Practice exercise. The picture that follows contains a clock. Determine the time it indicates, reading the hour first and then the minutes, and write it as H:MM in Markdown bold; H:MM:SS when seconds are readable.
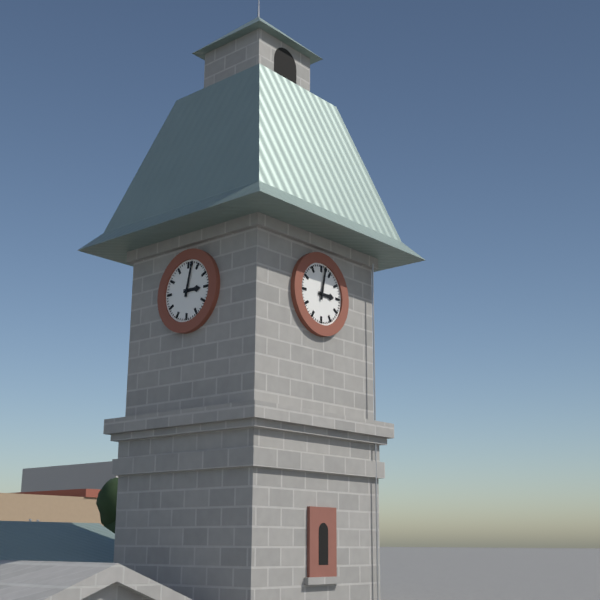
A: **3:02**
